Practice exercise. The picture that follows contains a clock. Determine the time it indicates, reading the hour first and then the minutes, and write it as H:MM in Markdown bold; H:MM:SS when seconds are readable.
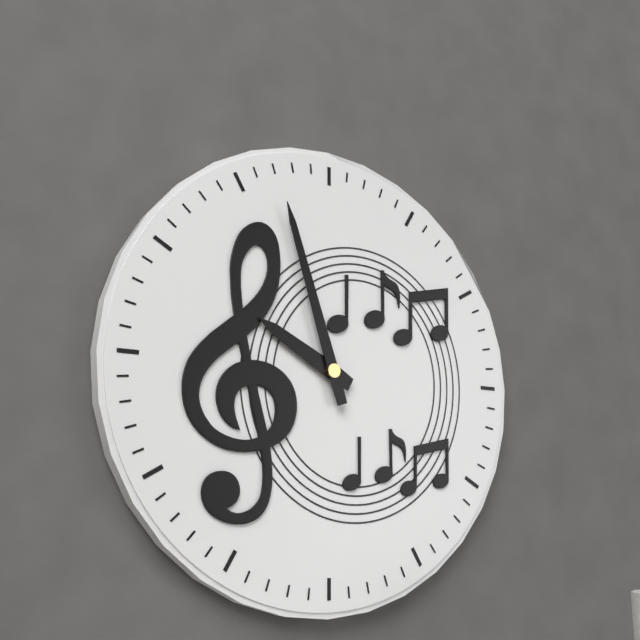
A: **9:57**
